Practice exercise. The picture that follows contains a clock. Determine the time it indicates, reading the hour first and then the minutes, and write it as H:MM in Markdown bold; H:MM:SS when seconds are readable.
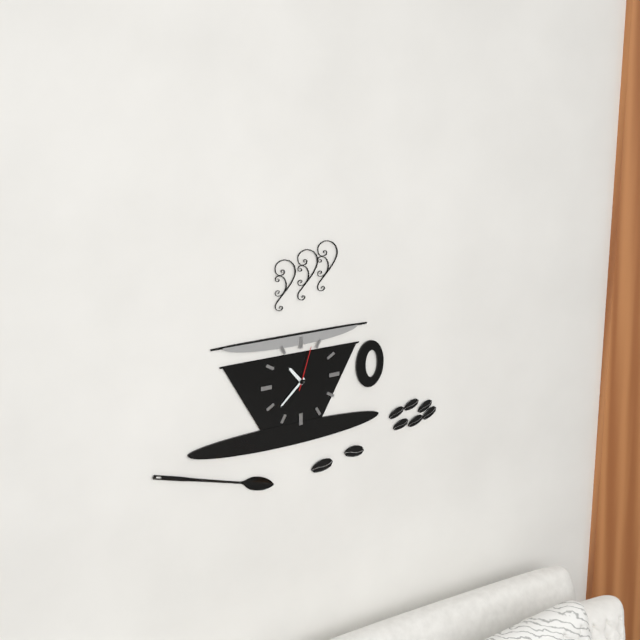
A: **10:38**
